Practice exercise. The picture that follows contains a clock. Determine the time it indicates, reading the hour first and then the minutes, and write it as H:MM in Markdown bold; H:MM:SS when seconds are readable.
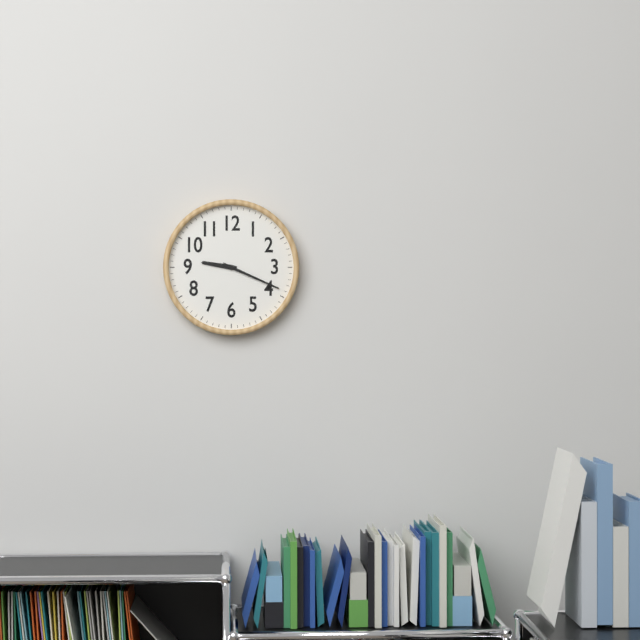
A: **9:19**
